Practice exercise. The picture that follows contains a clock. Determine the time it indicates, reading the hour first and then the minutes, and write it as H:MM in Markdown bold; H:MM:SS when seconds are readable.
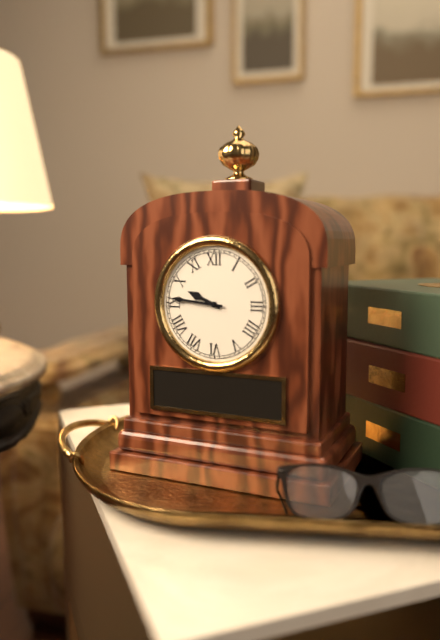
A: **9:46**
